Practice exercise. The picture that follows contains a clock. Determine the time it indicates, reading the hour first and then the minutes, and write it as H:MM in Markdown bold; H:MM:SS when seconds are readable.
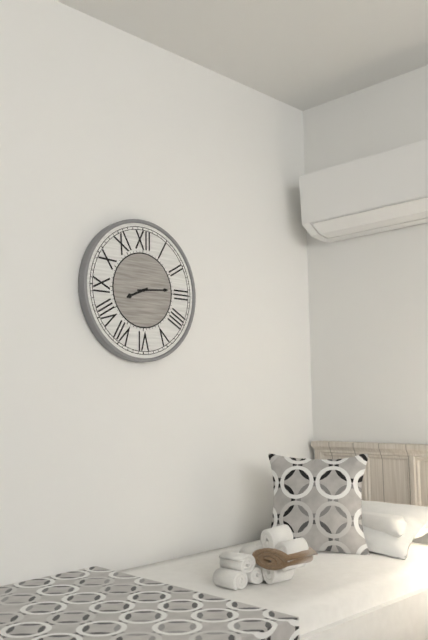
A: **8:14**
